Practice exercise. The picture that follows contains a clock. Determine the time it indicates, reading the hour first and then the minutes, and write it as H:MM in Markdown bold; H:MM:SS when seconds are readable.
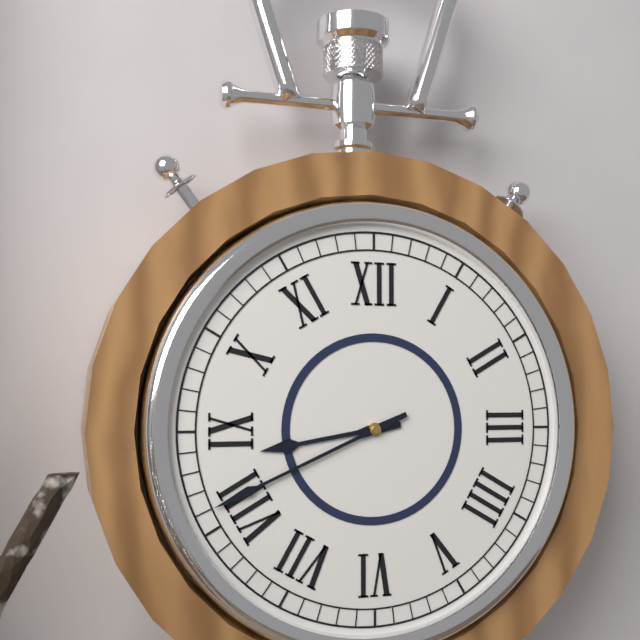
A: **8:41**
